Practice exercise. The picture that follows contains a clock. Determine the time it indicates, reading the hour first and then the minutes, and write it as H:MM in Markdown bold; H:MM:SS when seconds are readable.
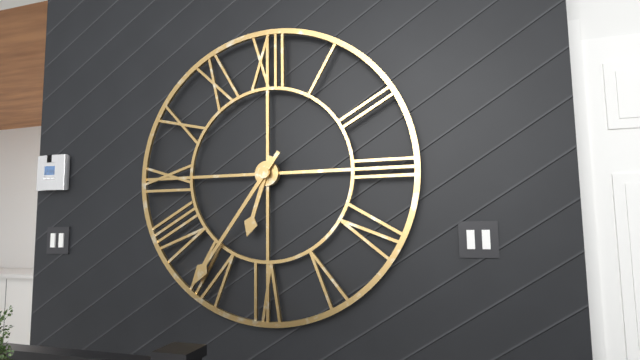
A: **6:36**
